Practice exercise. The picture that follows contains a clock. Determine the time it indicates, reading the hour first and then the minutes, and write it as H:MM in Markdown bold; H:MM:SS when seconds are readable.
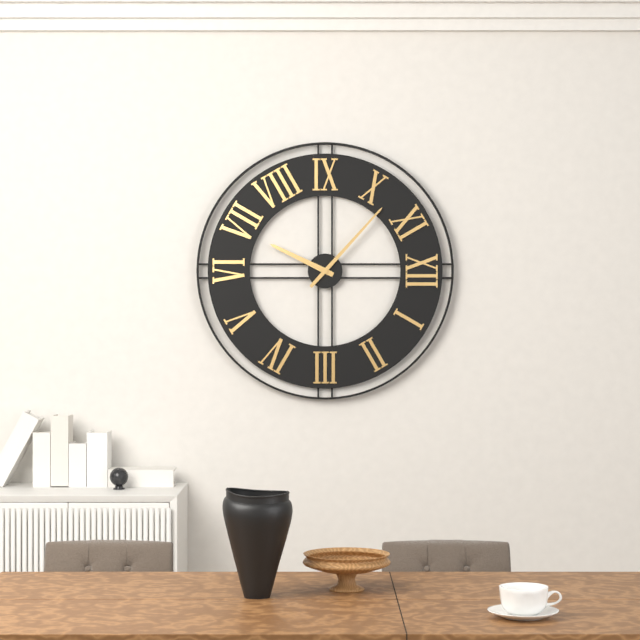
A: **6:52**
